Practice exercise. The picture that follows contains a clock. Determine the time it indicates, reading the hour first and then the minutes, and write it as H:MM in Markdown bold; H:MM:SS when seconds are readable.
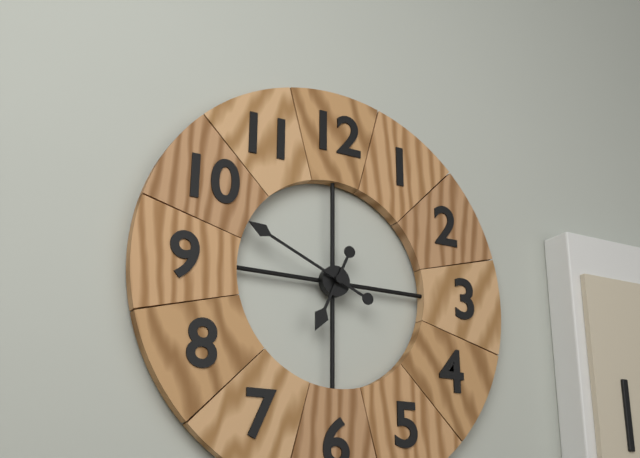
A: **6:49**
